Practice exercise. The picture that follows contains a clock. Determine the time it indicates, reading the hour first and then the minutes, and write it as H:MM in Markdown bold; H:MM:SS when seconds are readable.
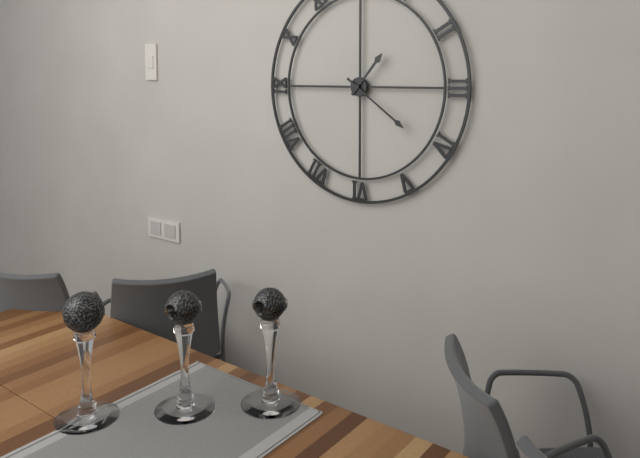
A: **1:21**
